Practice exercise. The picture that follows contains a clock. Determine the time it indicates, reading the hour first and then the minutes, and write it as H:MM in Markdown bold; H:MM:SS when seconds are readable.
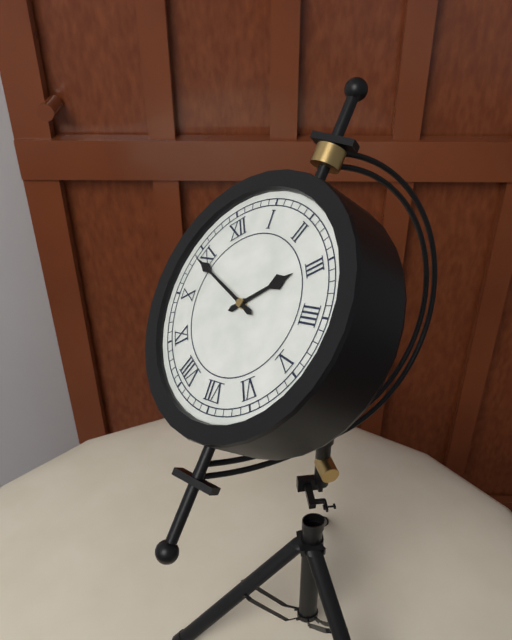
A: **2:54**
